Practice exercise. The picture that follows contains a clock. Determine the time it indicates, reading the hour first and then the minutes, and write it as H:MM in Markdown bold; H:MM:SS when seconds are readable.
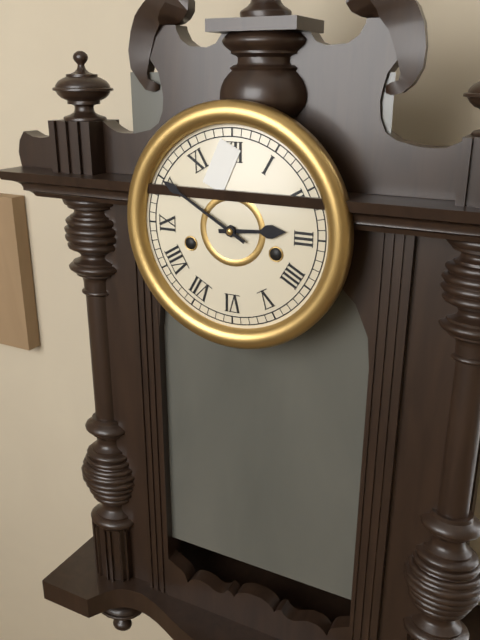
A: **2:50**
